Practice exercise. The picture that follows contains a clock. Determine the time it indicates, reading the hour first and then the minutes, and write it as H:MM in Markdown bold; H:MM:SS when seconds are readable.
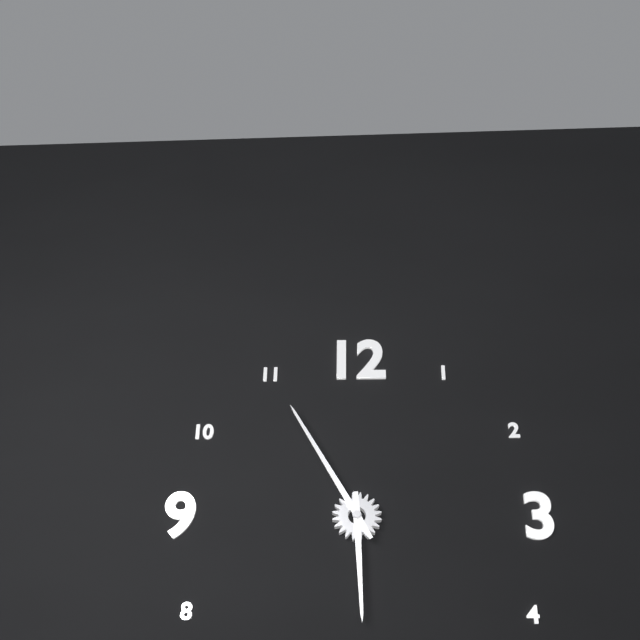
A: **5:55**
